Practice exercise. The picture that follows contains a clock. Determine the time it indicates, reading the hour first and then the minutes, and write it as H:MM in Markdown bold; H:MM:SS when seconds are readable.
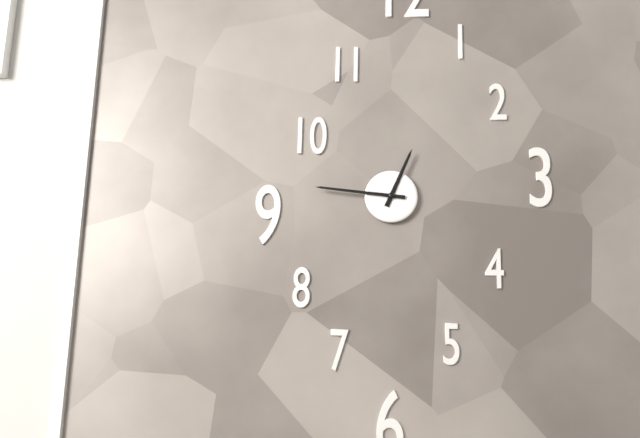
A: **12:46**
